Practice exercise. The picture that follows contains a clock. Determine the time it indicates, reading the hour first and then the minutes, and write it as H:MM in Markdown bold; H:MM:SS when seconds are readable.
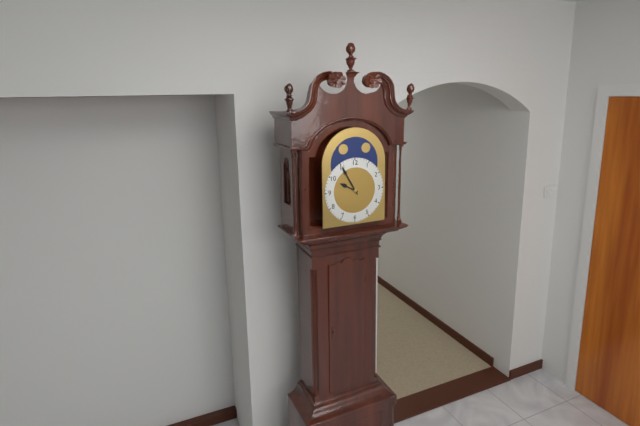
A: **9:55**
